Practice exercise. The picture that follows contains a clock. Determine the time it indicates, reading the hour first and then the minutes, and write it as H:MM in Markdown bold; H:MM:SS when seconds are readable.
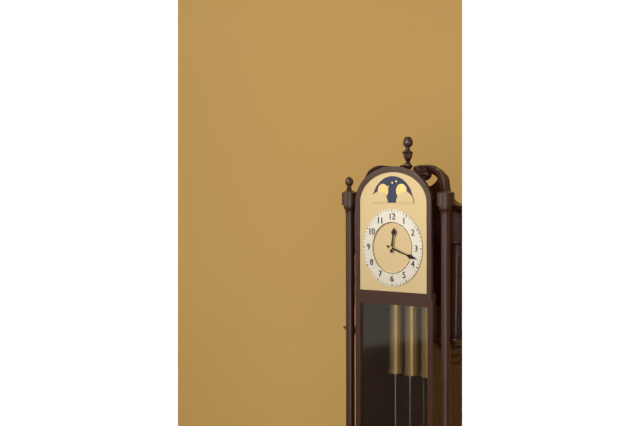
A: **12:18**
